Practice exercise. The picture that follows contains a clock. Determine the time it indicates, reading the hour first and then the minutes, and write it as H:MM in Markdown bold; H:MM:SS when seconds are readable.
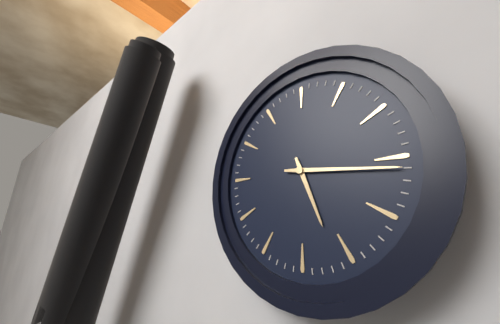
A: **5:16**
